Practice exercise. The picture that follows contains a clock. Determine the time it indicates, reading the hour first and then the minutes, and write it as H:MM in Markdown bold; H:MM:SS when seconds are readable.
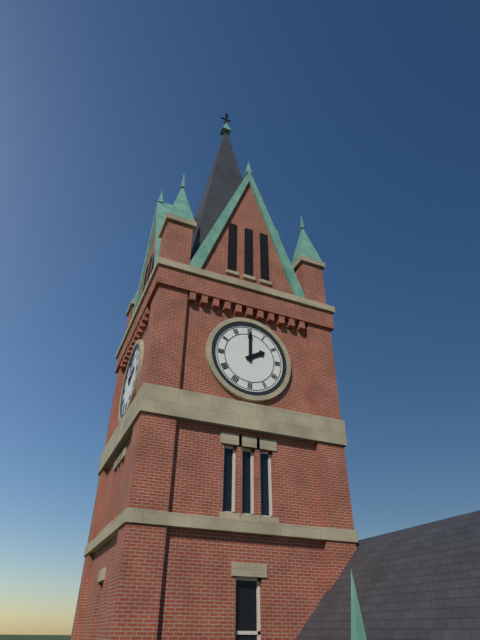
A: **2:00**
